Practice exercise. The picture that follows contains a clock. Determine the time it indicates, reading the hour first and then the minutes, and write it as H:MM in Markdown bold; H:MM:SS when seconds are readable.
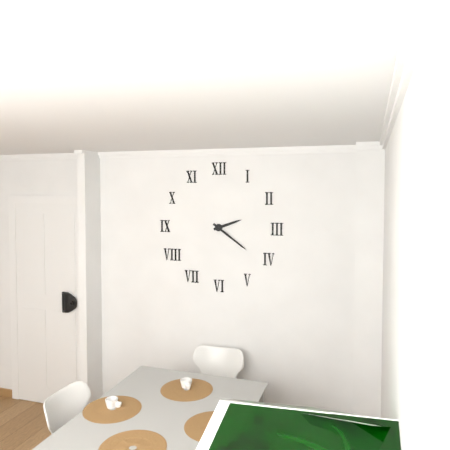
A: **2:21**
